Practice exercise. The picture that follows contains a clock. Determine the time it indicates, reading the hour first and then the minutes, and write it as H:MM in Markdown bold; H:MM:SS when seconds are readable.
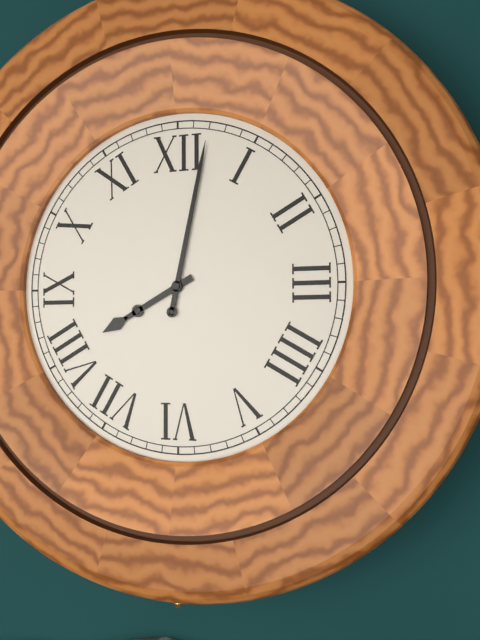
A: **8:02**
